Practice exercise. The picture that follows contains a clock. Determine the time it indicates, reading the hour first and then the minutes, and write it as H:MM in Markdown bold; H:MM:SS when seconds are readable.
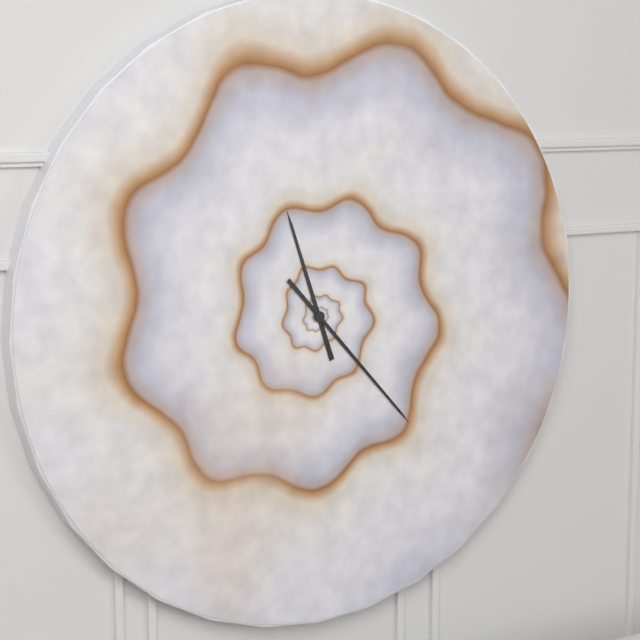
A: **11:23**
